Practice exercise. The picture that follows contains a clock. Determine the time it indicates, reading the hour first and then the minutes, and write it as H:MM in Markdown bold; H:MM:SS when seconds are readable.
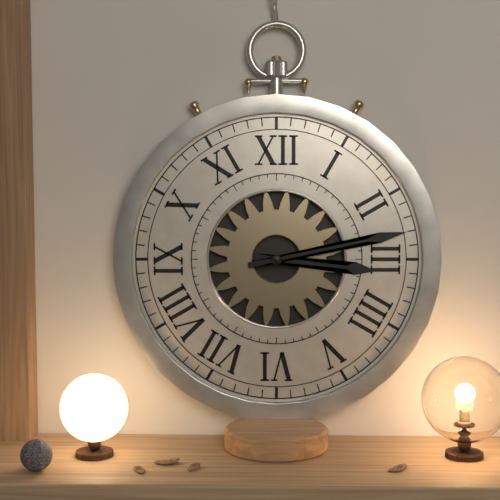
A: **3:13**
